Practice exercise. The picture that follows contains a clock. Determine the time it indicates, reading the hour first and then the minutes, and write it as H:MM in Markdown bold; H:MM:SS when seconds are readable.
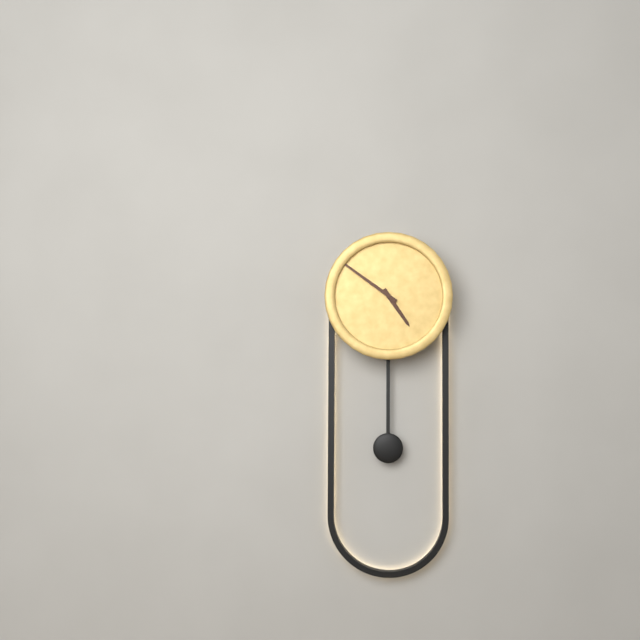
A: **4:51**
